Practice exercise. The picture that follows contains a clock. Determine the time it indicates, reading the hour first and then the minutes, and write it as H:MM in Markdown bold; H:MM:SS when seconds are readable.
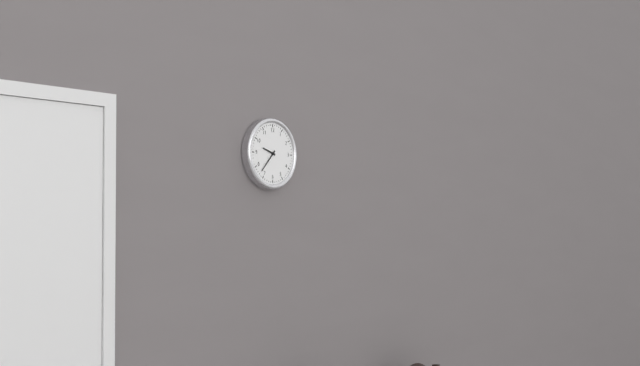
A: **9:37**
